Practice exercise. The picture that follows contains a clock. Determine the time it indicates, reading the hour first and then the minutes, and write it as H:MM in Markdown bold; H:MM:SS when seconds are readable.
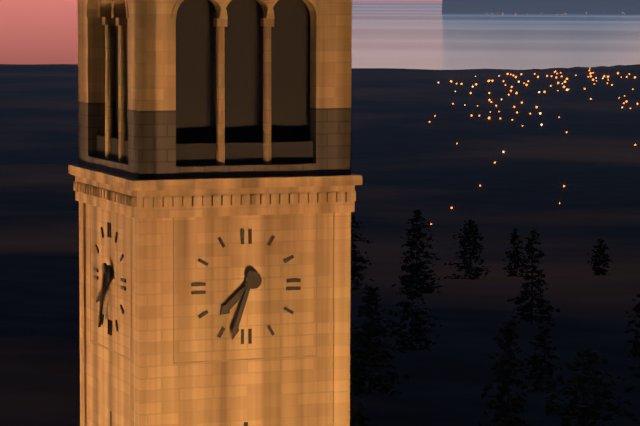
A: **7:33**
